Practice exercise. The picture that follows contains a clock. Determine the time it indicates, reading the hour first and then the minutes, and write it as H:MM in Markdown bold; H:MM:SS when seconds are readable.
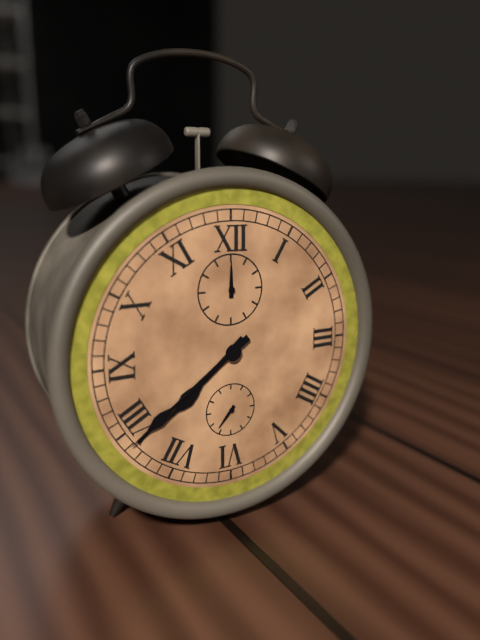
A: **7:39**
